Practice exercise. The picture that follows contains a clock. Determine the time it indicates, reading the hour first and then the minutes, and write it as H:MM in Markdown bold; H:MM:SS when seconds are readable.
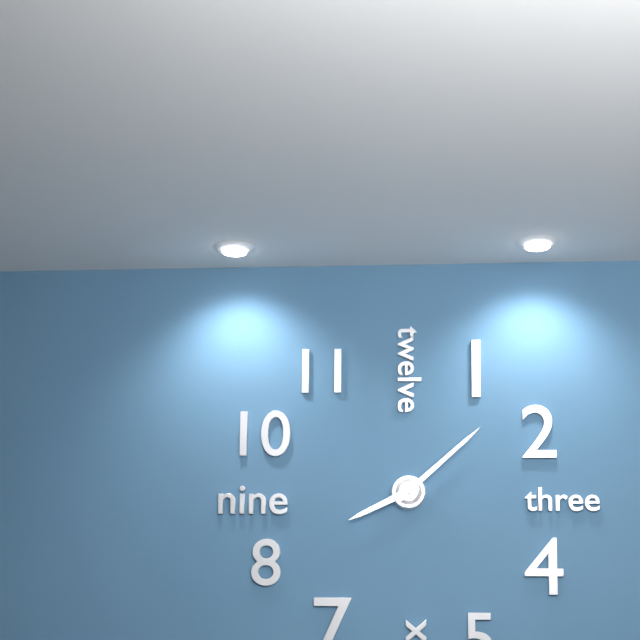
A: **8:08**
